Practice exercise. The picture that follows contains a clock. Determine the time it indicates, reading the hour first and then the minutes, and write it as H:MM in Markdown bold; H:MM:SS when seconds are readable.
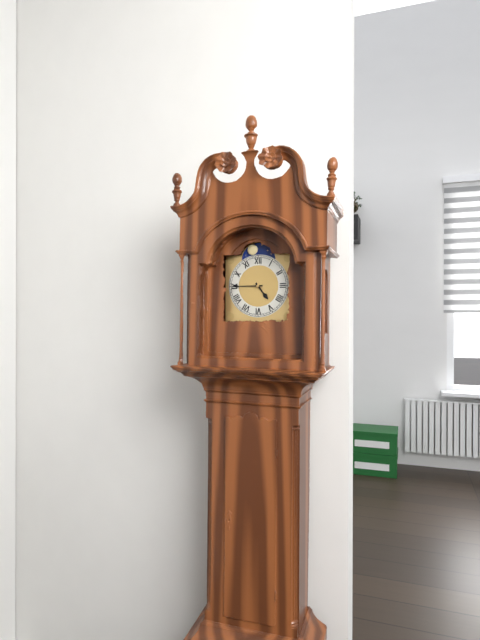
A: **4:45**
